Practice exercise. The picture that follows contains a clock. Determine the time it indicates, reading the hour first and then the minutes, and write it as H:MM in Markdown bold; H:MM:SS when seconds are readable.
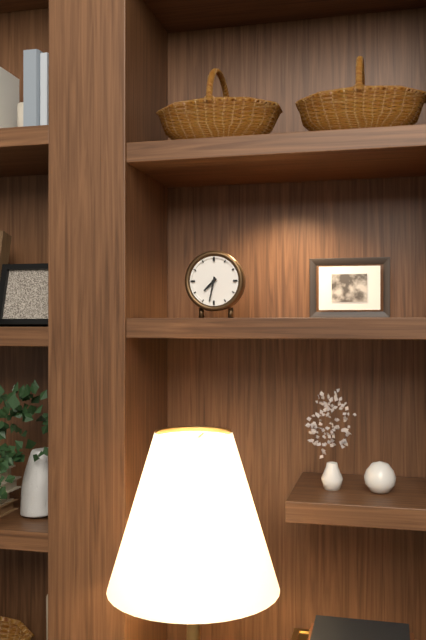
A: **7:32**
